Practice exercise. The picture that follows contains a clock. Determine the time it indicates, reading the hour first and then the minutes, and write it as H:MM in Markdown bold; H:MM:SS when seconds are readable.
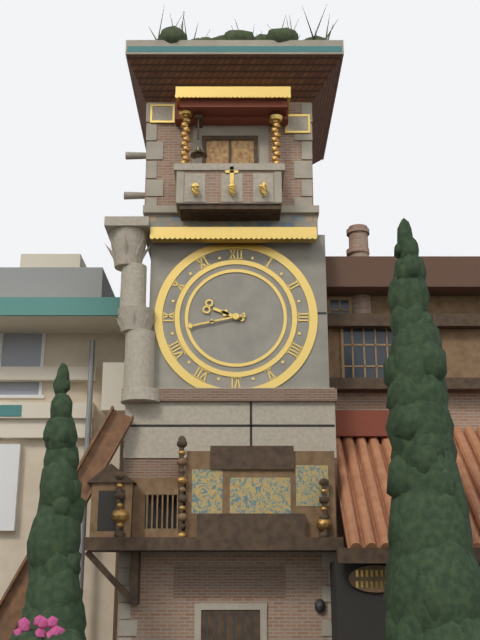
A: **9:43**
